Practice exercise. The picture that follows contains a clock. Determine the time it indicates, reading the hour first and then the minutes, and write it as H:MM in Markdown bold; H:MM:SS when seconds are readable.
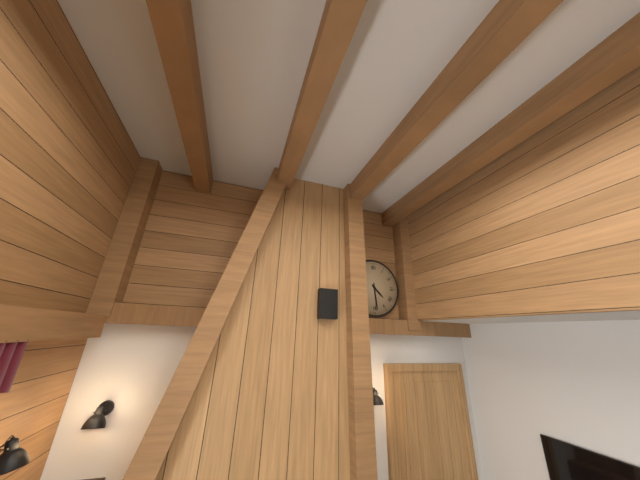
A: **4:29**
